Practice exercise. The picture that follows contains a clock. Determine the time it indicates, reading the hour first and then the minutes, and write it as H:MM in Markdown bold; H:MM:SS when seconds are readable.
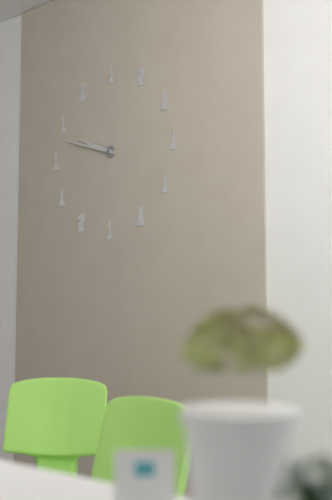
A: **9:48**
